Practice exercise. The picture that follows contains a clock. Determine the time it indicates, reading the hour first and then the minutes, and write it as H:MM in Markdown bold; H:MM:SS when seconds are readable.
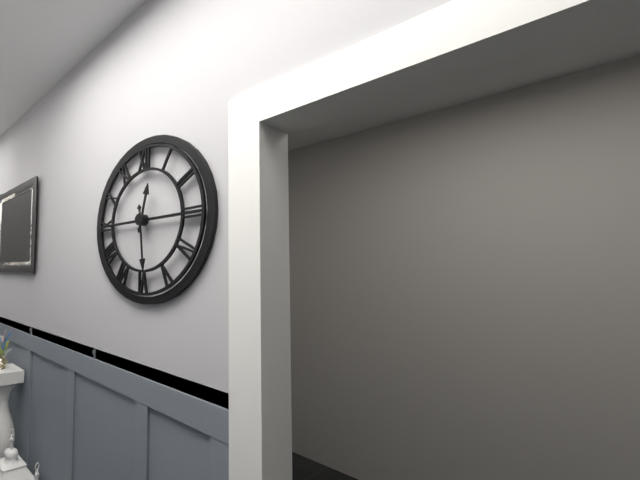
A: **12:29**
